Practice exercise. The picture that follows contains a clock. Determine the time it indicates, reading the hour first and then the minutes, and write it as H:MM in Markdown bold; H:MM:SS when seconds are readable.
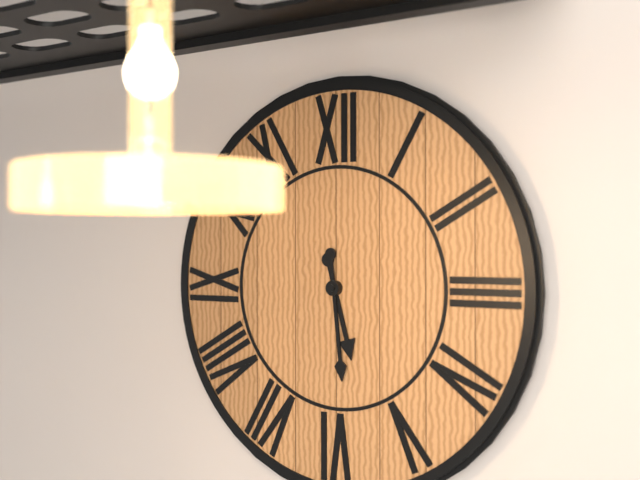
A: **5:29**
